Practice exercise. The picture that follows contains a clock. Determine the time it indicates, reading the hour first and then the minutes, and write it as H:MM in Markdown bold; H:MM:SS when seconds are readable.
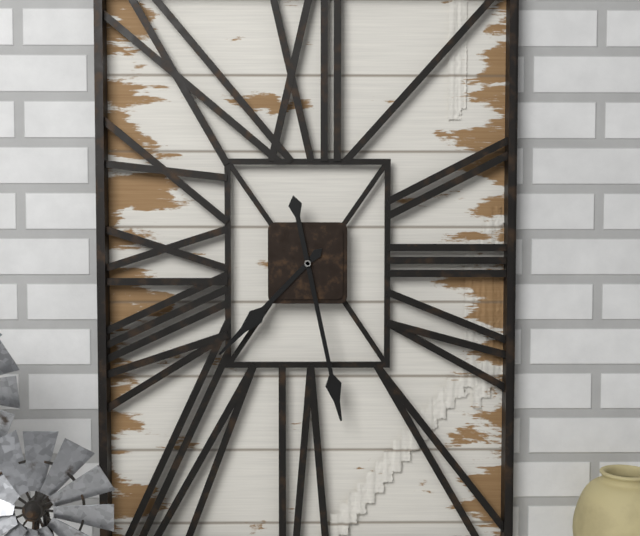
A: **7:28**
